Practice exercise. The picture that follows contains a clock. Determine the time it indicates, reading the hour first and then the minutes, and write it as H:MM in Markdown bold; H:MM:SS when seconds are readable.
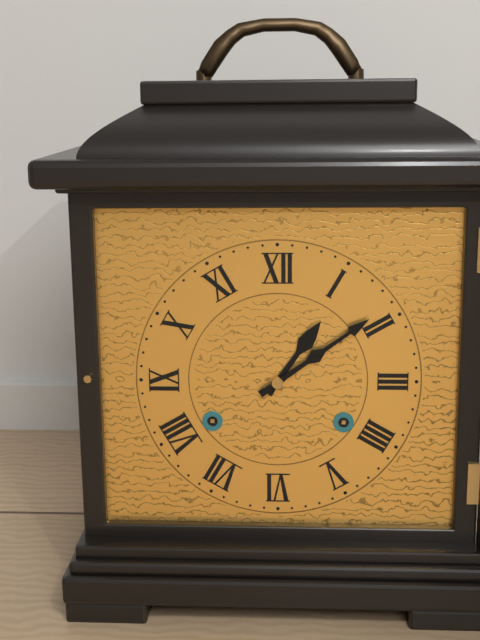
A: **1:09**
